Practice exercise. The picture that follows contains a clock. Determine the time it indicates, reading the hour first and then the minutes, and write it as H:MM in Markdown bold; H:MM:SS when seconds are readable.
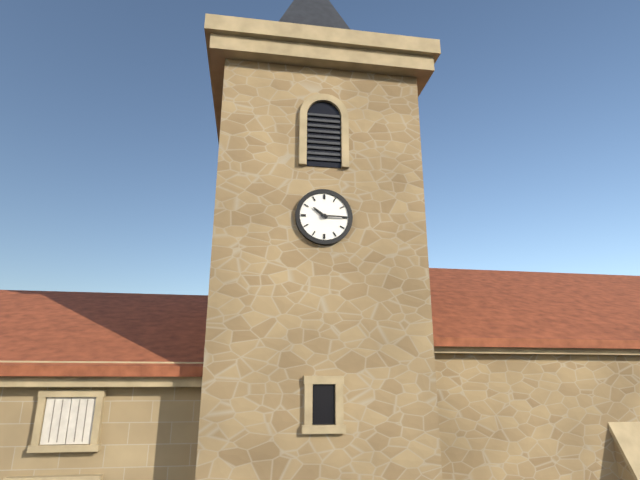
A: **10:15**
